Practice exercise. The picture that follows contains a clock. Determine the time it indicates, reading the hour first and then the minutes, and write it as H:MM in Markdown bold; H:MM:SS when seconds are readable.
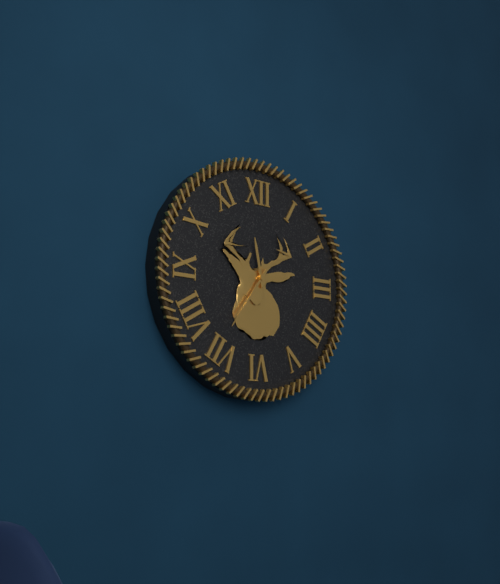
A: **11:36**
